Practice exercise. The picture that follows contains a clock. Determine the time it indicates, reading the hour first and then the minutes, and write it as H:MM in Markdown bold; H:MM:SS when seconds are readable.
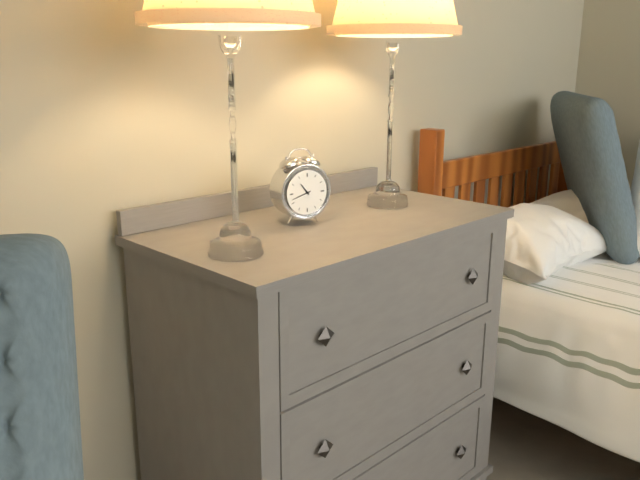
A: **10:42**
